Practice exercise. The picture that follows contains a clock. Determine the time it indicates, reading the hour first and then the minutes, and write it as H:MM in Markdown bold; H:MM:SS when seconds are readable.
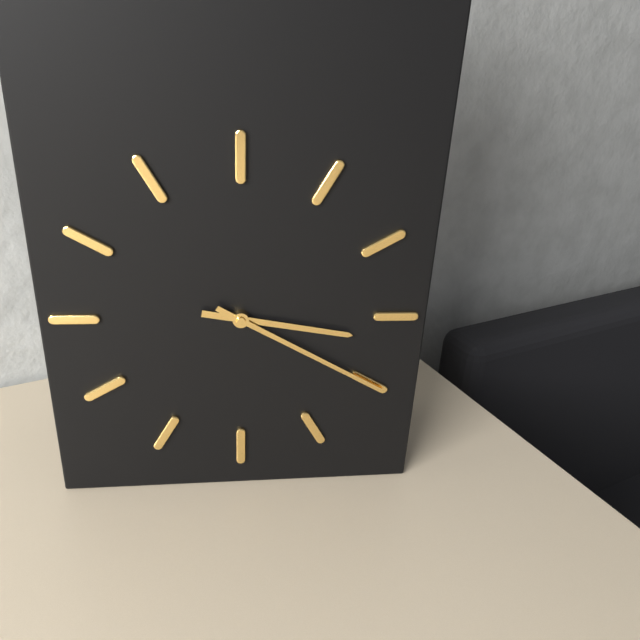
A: **3:20**
